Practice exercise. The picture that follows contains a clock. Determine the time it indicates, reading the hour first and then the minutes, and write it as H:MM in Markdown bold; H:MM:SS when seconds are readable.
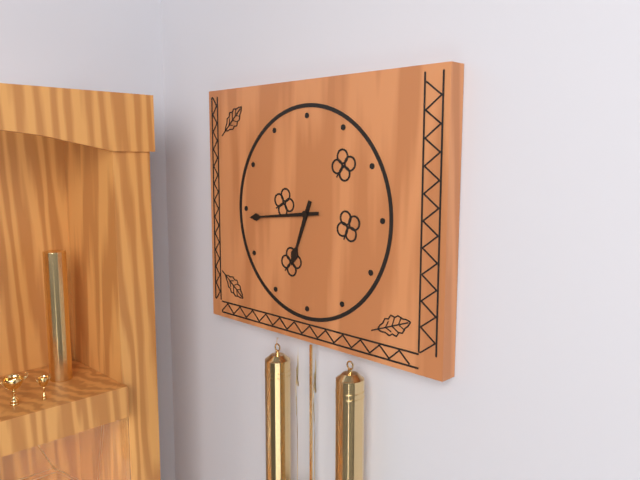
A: **6:44**
